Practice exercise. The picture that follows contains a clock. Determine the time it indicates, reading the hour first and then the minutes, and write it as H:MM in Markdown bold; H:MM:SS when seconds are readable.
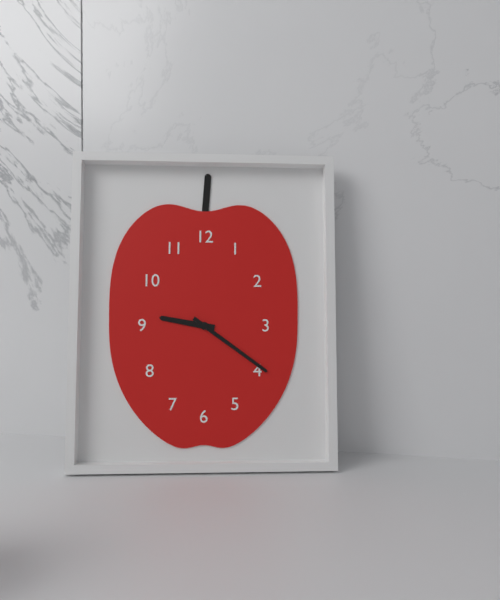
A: **9:21**
